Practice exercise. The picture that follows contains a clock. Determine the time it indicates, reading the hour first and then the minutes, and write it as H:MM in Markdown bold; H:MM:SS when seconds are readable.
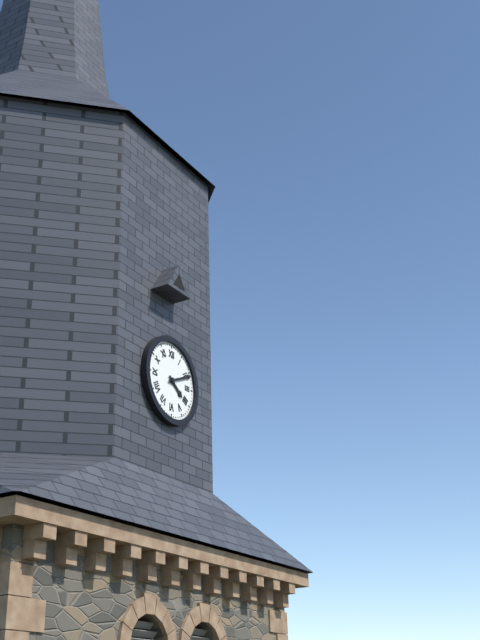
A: **4:11**
